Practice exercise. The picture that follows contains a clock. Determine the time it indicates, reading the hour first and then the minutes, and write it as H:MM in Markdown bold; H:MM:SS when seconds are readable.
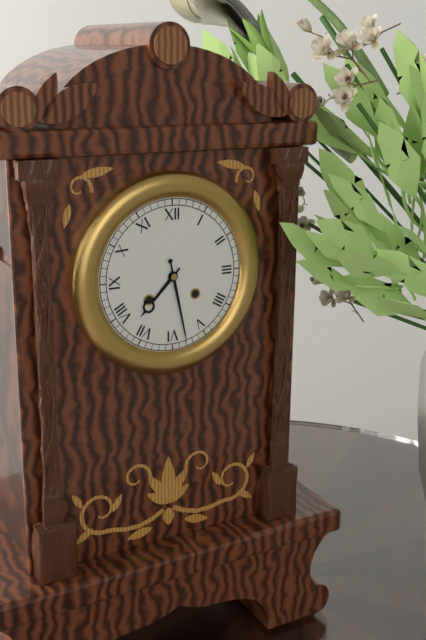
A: **7:28**
